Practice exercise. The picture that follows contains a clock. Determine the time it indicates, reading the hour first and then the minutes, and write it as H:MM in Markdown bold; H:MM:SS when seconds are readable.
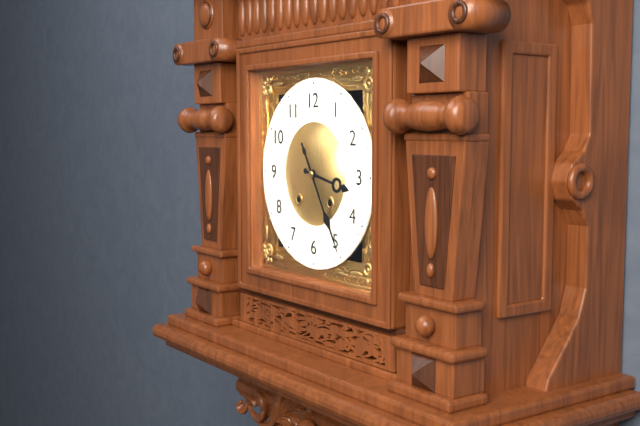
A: **3:25**
